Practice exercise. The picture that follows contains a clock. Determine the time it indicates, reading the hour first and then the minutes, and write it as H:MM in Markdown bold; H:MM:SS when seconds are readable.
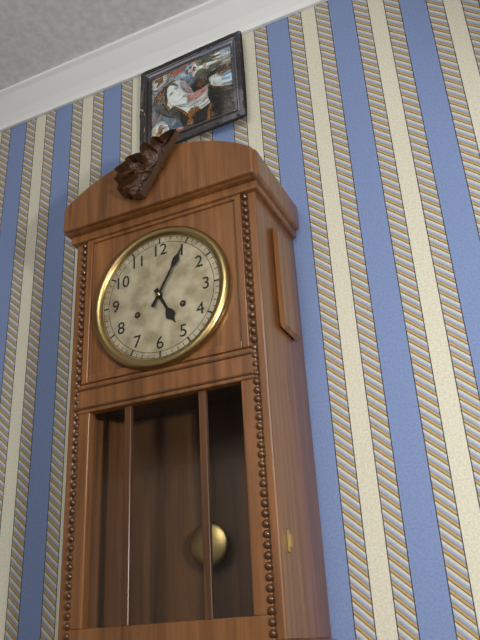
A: **5:05**
